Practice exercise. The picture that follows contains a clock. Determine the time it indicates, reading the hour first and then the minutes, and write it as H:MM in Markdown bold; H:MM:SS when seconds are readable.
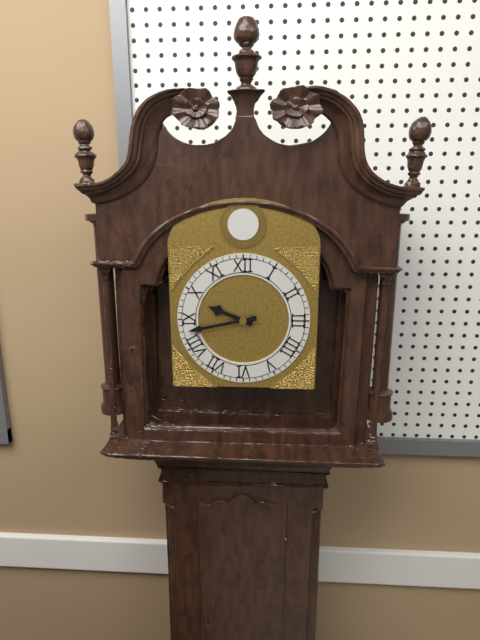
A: **9:43**
